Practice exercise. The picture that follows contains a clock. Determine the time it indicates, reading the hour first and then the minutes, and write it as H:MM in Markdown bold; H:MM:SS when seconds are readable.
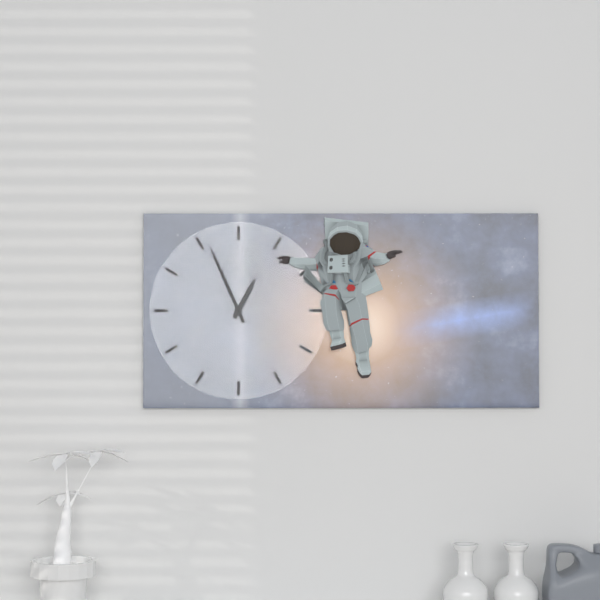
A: **12:56**
